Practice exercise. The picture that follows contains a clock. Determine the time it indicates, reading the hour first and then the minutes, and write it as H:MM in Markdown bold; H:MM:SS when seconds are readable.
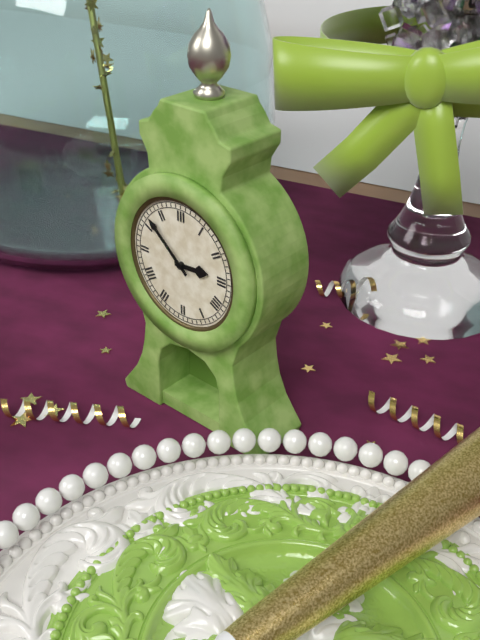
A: **2:52**
